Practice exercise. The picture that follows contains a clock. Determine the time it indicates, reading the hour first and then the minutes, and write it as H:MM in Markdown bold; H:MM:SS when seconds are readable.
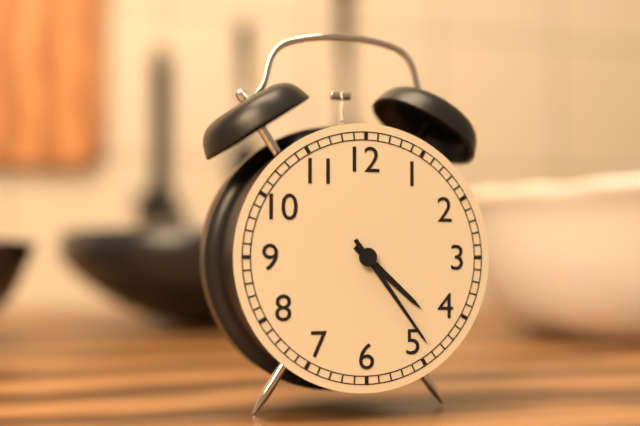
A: **4:24**
